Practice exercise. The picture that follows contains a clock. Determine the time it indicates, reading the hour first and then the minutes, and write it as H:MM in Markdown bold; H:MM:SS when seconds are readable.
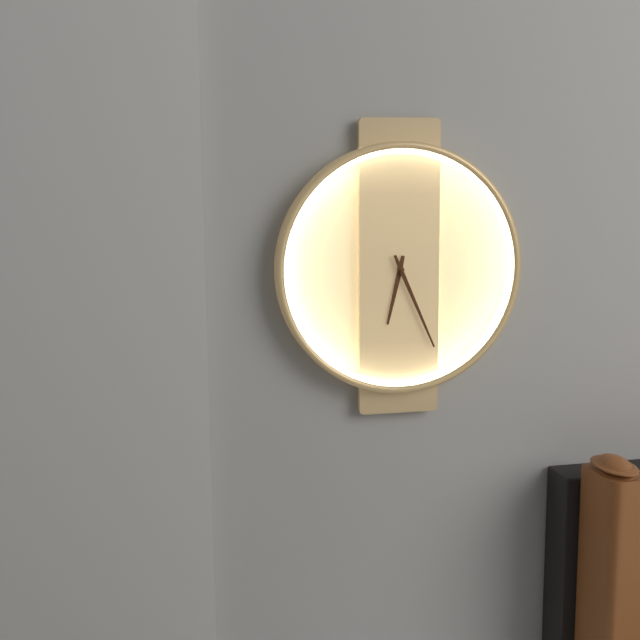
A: **6:26**
